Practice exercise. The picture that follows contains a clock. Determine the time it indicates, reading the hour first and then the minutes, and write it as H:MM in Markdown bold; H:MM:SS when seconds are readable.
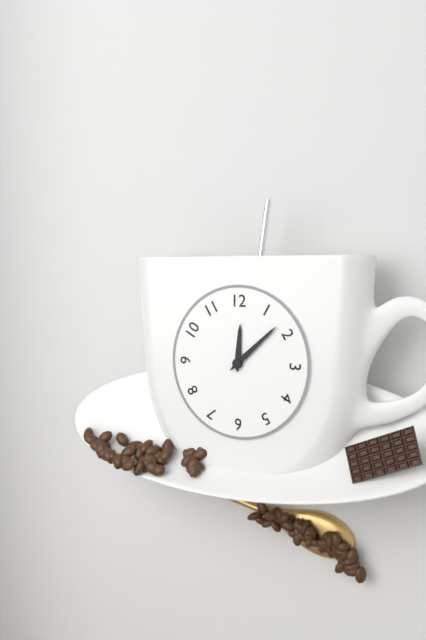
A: **12:08**
